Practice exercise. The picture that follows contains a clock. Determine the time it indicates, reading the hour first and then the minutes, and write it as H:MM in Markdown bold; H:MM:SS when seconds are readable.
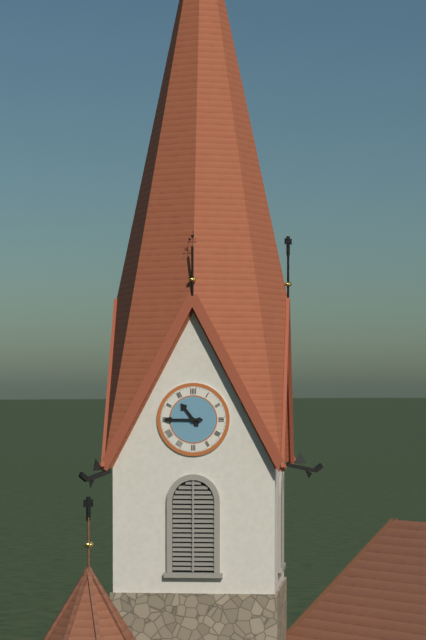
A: **10:45**
